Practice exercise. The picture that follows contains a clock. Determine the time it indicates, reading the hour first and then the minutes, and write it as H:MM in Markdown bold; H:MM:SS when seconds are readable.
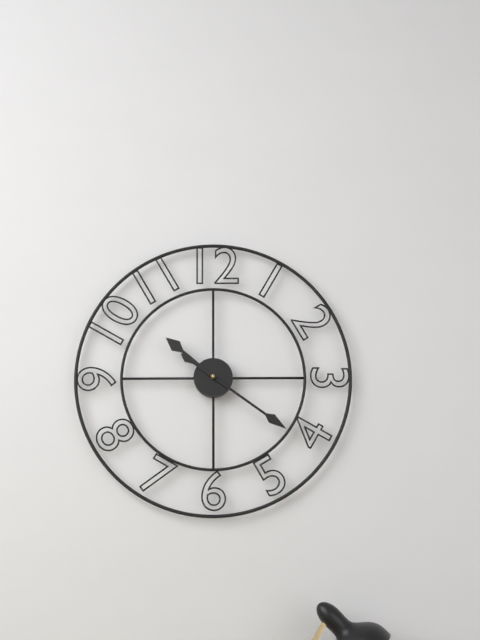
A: **10:21**
